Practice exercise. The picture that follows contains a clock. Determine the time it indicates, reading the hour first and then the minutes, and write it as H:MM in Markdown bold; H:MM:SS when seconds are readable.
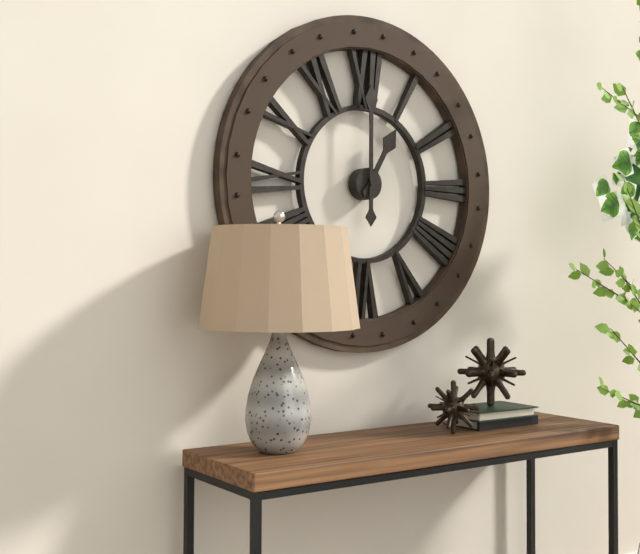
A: **1:00**
